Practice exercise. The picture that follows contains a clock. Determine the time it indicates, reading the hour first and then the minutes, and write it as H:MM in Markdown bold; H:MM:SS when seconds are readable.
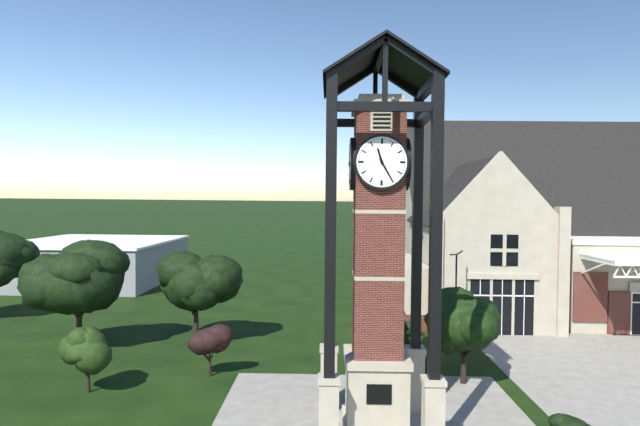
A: **11:25**
